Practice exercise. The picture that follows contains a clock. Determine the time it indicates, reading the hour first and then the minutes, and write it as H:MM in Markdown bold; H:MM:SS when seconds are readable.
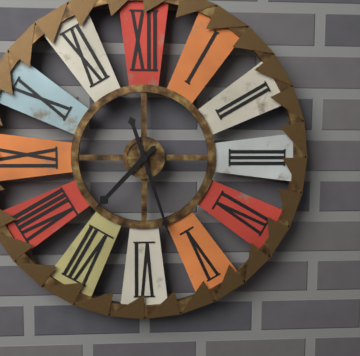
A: **7:27**
